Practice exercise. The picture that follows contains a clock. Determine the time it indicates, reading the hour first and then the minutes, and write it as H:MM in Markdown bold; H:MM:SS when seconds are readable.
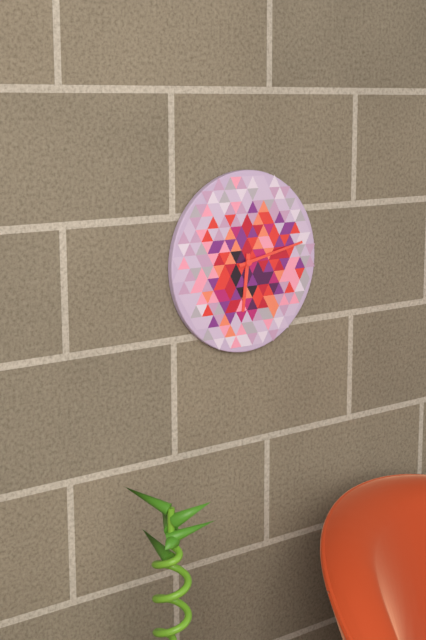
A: **6:13**
